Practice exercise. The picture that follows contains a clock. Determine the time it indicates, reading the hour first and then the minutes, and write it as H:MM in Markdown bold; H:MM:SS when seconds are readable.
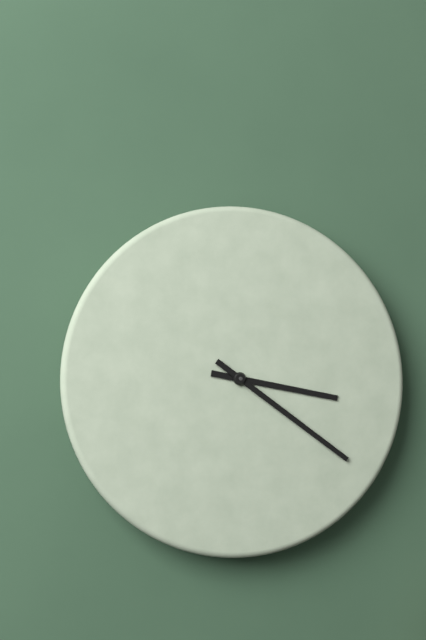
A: **3:21**
